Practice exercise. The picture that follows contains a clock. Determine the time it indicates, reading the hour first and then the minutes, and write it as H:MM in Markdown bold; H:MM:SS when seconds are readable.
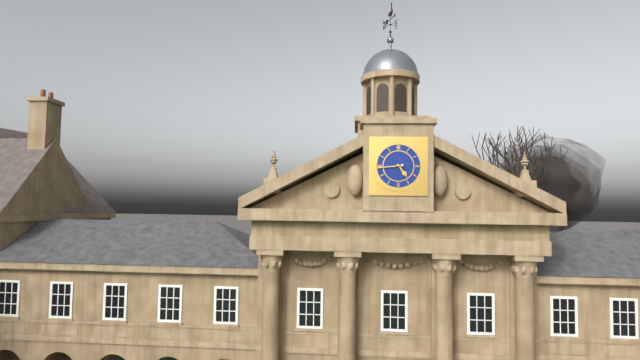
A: **4:44**
